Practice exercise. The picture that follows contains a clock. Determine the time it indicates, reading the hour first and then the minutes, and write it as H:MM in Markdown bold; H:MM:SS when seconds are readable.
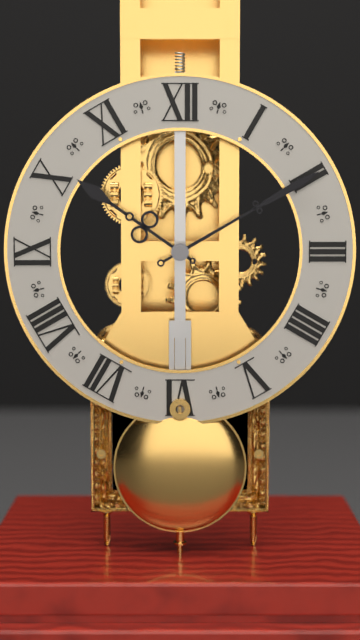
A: **10:10**
